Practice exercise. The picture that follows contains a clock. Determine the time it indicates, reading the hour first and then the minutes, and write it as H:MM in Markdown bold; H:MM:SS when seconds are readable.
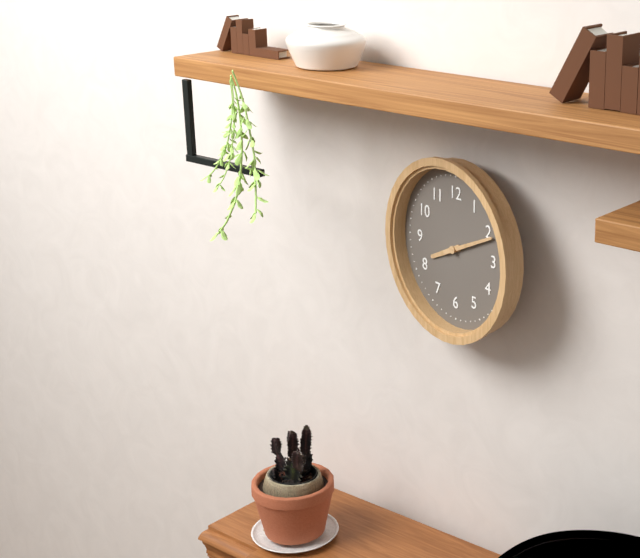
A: **8:11**
